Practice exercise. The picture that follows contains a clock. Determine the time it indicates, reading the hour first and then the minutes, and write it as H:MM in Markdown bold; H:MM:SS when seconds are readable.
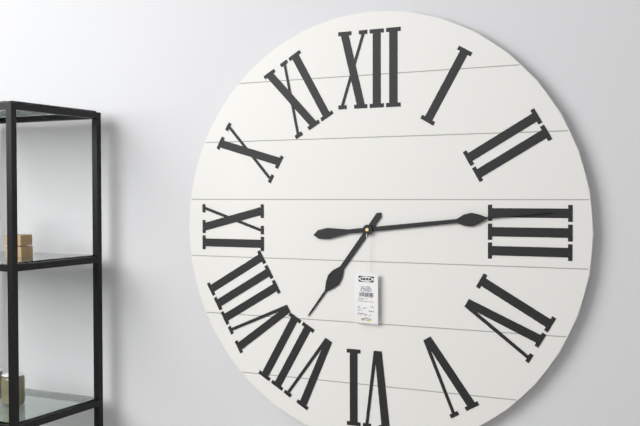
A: **7:14**
